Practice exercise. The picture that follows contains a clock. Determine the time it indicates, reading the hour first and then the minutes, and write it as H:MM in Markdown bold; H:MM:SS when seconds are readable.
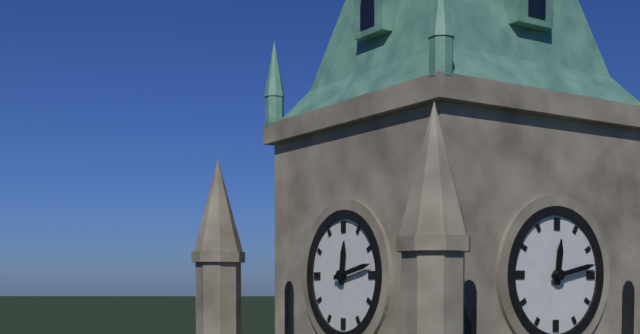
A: **12:13**
